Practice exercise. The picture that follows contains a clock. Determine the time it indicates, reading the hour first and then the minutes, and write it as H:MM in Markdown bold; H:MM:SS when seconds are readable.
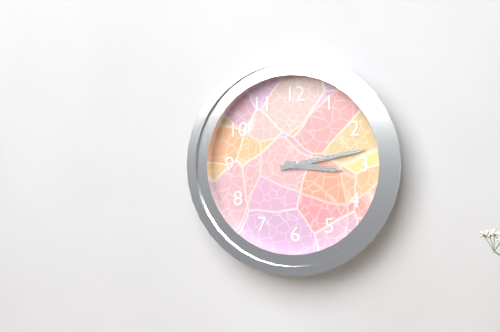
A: **3:13**
